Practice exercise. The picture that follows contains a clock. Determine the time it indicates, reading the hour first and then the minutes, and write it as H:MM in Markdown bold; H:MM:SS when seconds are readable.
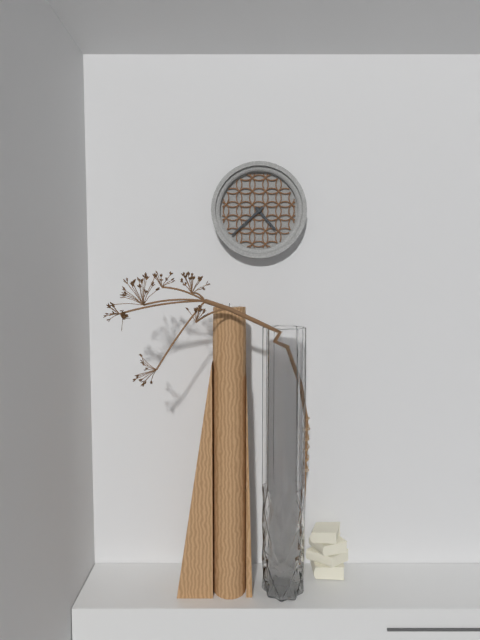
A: **4:38**
